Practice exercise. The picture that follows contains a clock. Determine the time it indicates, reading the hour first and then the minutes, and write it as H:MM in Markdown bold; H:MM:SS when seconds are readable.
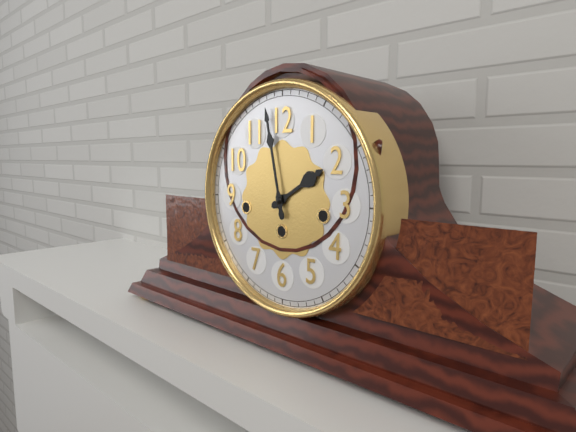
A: **1:58**
